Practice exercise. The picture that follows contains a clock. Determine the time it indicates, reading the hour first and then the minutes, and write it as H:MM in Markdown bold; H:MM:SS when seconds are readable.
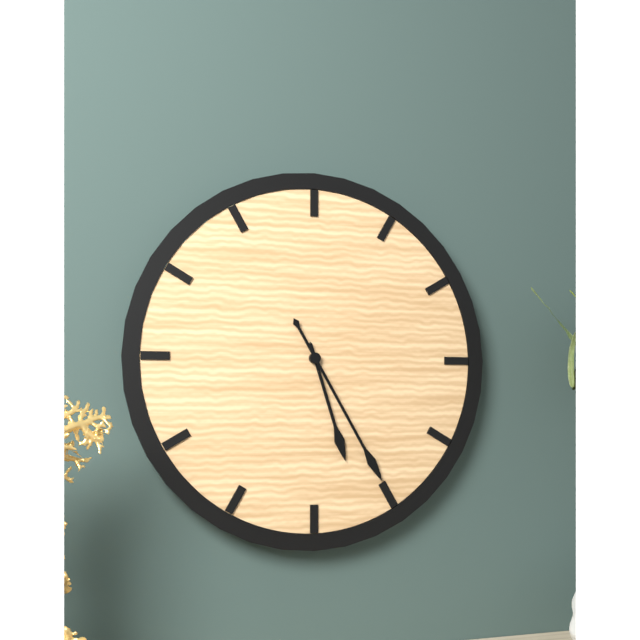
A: **5:25**
